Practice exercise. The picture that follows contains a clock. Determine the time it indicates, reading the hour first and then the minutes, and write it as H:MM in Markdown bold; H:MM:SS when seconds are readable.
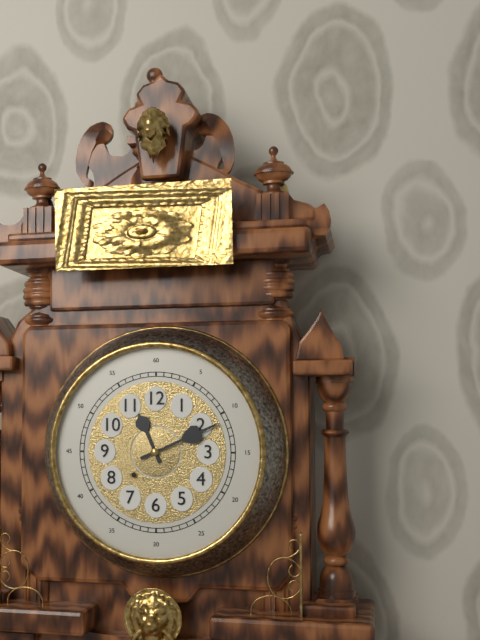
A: **11:11**
